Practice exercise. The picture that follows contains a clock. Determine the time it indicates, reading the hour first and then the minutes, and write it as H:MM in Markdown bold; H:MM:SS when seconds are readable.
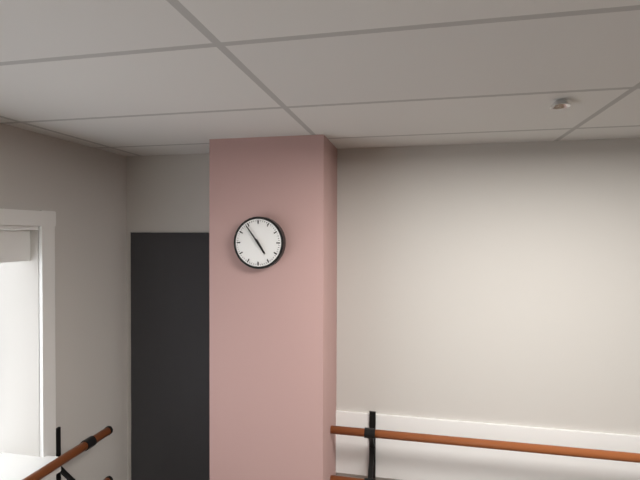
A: **4:54**
